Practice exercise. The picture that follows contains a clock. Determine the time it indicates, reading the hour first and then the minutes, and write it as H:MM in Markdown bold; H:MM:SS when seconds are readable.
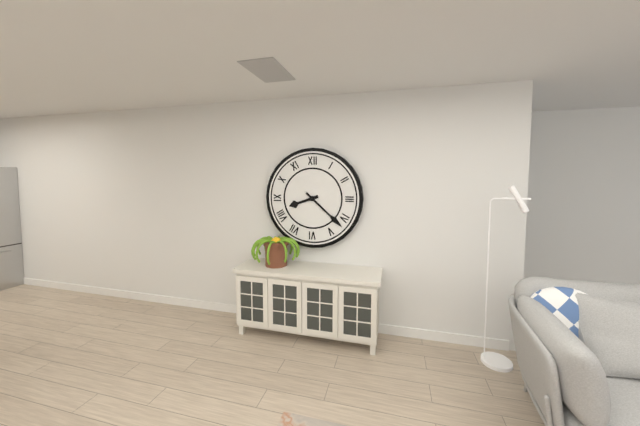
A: **8:22**
